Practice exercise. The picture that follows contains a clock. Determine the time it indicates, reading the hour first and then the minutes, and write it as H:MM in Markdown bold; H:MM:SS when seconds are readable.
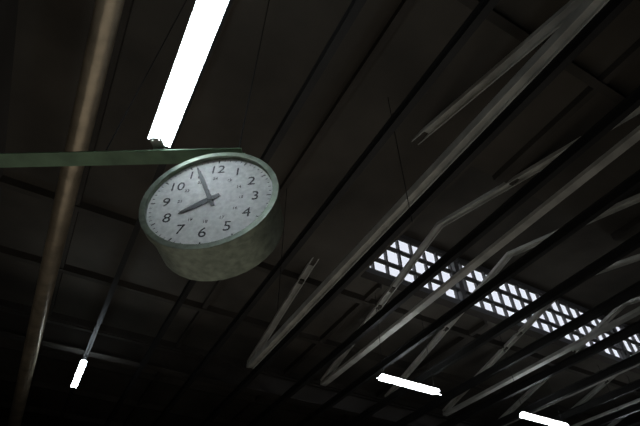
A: **7:56**
